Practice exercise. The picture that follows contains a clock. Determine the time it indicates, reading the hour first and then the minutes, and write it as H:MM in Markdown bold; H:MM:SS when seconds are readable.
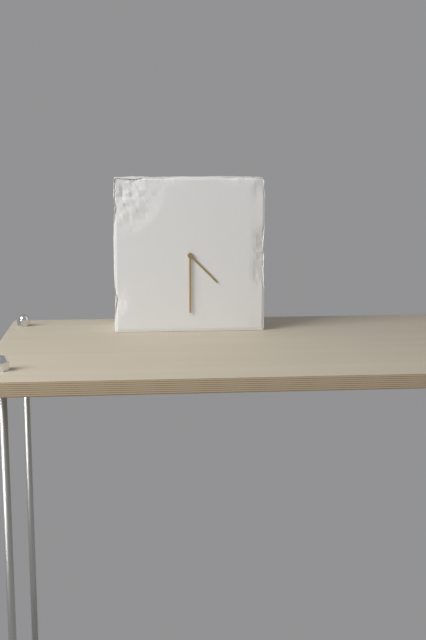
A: **4:30**
